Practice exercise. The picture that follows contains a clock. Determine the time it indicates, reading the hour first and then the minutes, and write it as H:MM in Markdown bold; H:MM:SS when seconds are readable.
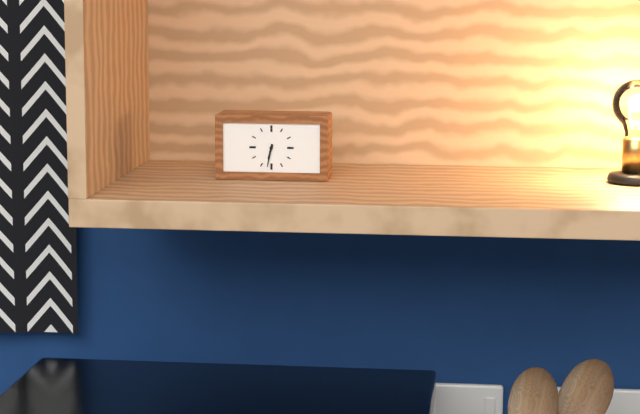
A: **6:32**
